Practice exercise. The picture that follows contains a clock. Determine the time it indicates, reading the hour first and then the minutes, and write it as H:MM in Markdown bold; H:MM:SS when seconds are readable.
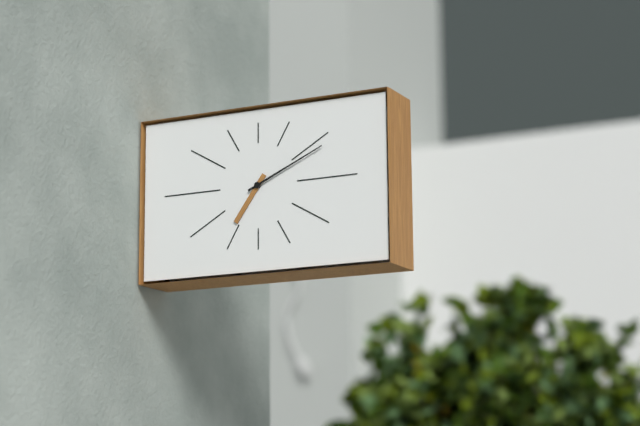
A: **7:11**
